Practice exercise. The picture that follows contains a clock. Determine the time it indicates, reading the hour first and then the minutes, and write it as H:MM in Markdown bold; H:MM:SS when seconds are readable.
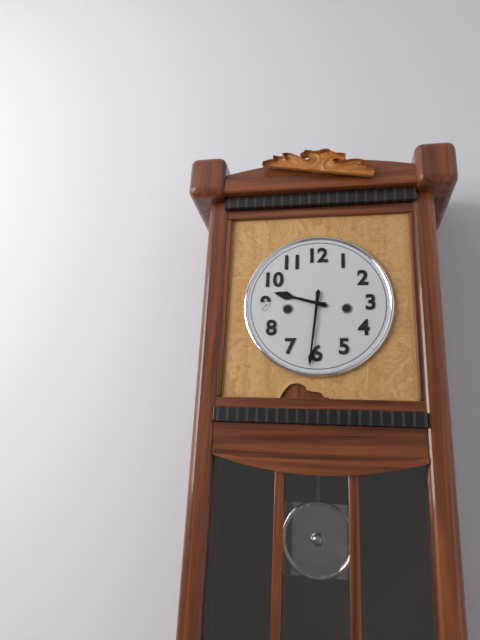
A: **9:31**
